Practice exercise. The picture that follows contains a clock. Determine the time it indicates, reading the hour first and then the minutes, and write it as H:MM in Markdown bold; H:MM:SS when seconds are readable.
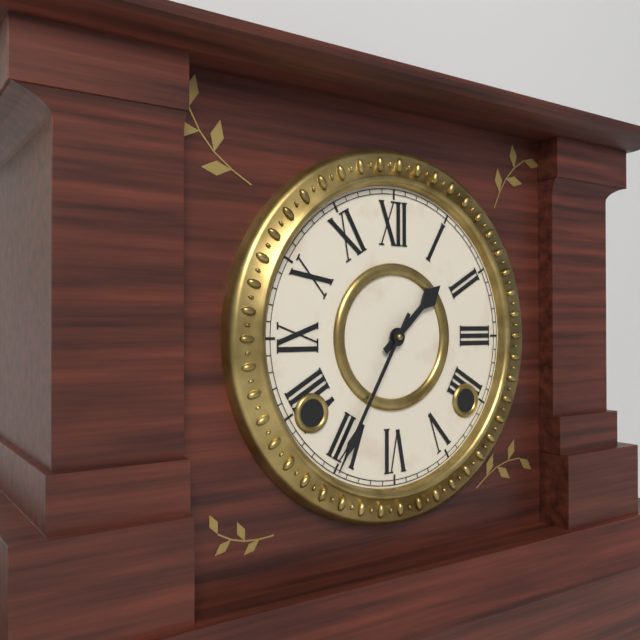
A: **1:35**
